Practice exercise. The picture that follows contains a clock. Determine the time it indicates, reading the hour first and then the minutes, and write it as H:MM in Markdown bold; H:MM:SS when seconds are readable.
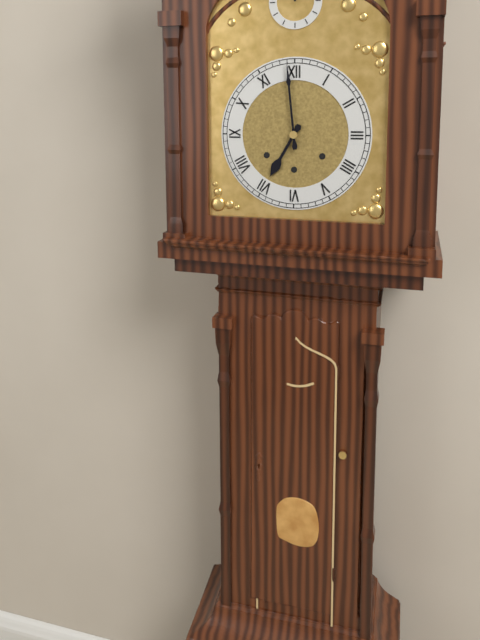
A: **6:59**
